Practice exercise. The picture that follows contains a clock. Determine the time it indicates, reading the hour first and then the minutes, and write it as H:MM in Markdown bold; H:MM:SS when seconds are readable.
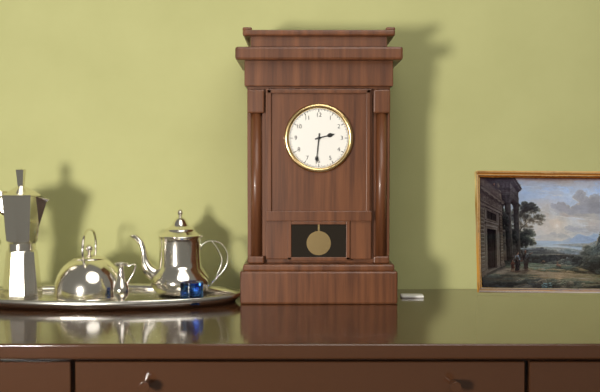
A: **2:31**
